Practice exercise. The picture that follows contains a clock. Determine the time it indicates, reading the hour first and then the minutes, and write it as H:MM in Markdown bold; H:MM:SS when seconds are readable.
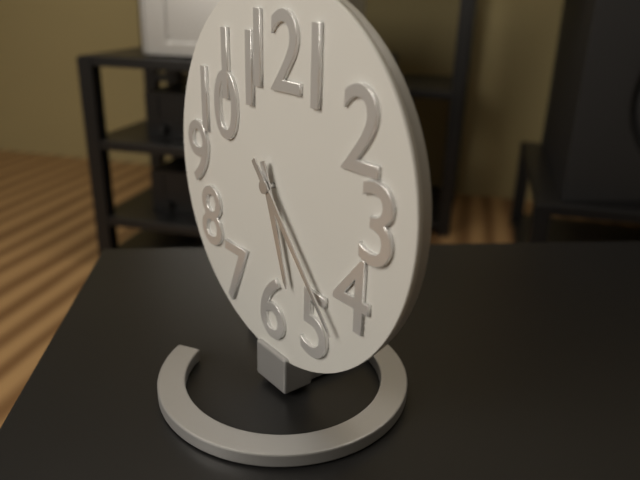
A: **5:23**
